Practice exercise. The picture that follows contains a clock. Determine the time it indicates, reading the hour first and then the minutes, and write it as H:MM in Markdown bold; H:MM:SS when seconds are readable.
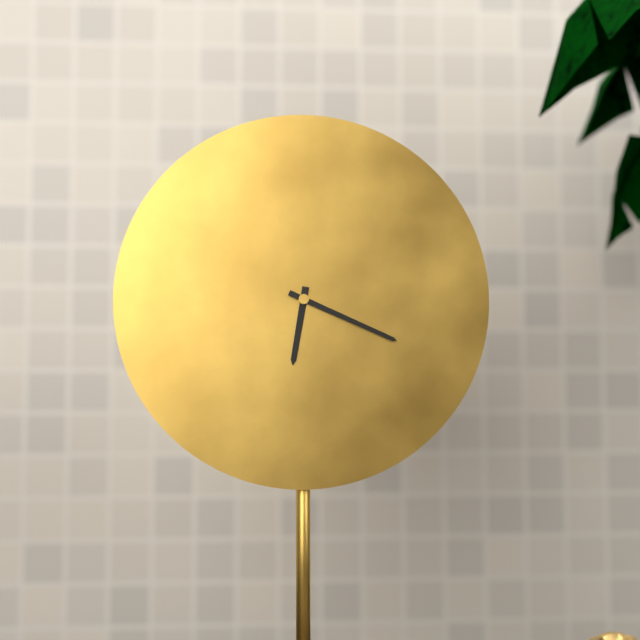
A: **6:19**
